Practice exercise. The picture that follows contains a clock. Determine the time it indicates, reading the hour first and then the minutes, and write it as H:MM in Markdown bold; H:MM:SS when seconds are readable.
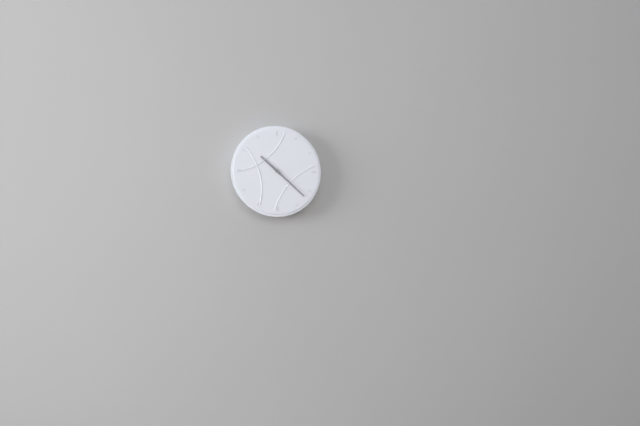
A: **10:22**
